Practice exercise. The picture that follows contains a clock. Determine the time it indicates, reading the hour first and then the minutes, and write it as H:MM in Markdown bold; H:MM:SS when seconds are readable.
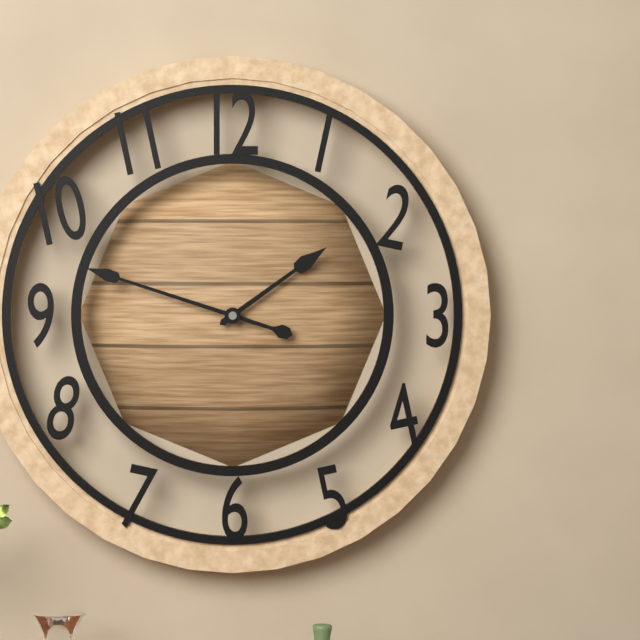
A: **1:48**
